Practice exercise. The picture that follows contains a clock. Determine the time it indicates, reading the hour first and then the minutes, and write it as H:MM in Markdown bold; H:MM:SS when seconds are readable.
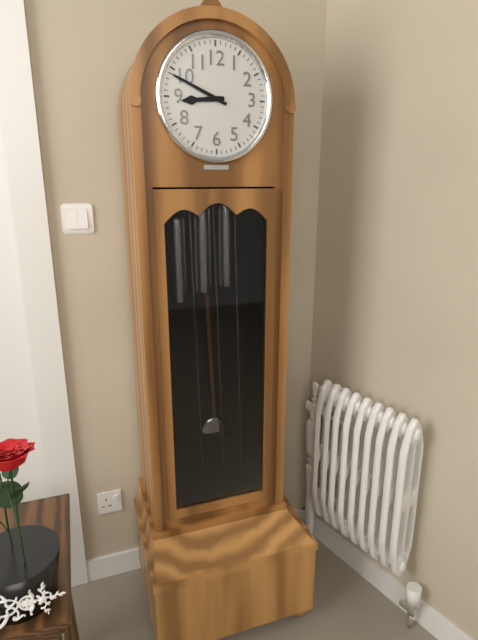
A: **8:49**
